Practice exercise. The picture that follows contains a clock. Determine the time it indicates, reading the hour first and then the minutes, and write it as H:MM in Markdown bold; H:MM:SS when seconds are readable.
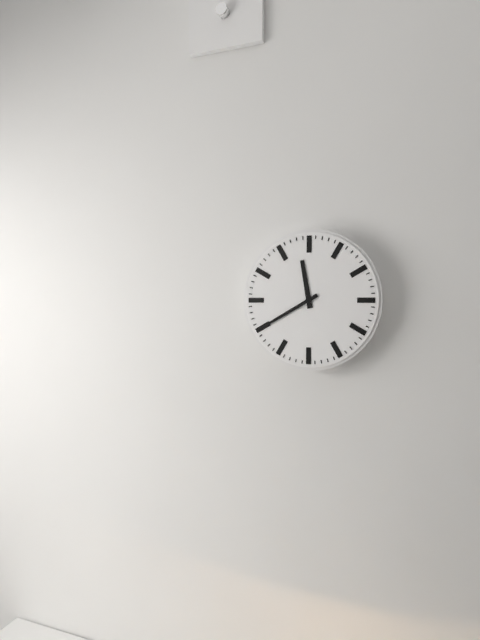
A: **11:40**
